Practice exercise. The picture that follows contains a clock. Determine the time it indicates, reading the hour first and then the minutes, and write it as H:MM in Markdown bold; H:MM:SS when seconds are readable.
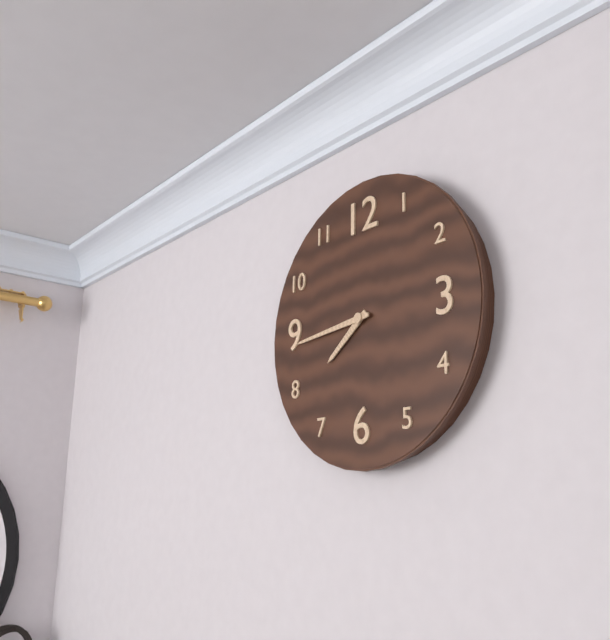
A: **7:44**
